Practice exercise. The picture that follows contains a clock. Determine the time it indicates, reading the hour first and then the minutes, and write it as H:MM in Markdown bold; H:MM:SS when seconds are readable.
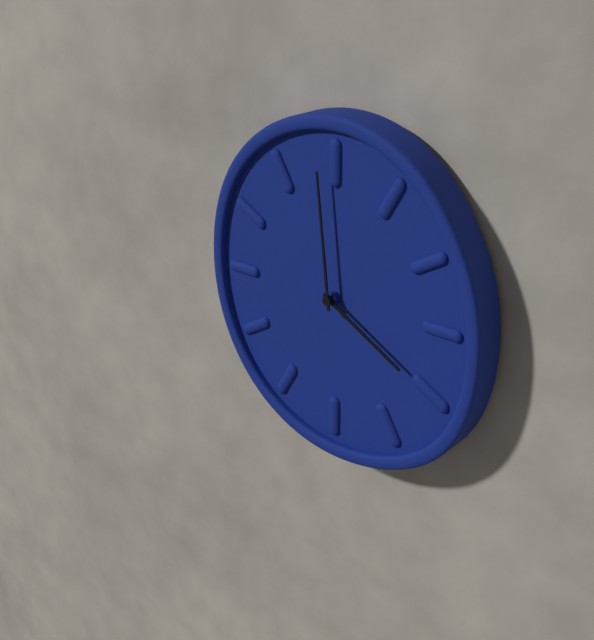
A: **3:59**
